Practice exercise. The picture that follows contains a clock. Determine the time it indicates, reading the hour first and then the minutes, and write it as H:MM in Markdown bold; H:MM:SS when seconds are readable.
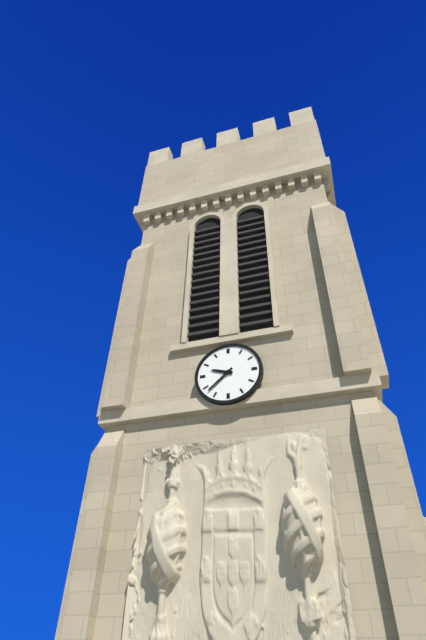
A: **9:38**
